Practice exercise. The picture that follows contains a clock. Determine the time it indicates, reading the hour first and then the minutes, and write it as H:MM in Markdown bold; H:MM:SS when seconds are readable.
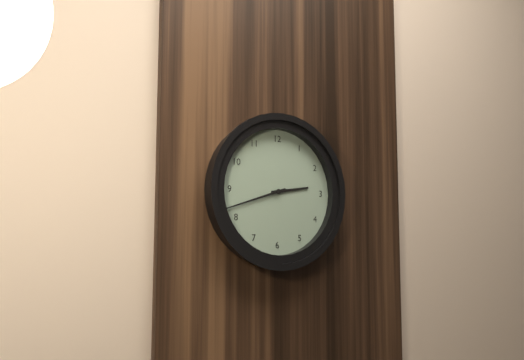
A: **2:42**
